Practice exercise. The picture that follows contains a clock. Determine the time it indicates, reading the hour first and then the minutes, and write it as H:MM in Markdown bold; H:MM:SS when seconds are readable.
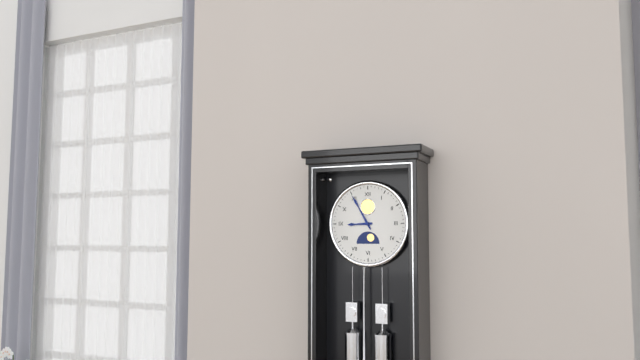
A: **8:55**
